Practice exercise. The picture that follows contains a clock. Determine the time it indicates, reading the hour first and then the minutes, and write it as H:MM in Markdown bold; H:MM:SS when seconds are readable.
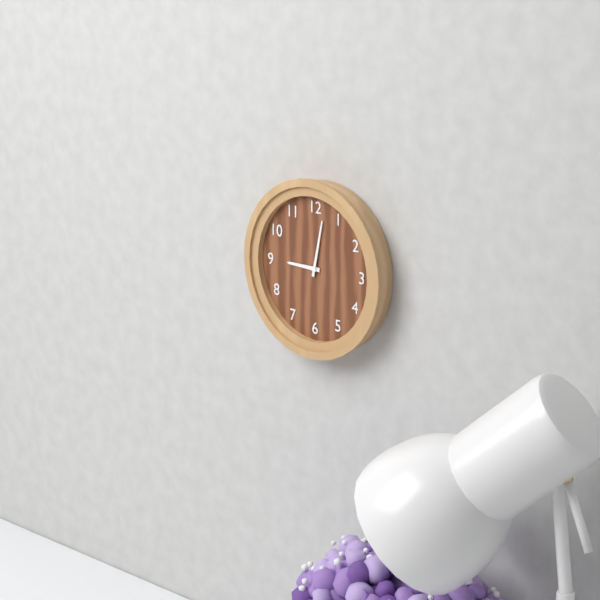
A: **9:02**
